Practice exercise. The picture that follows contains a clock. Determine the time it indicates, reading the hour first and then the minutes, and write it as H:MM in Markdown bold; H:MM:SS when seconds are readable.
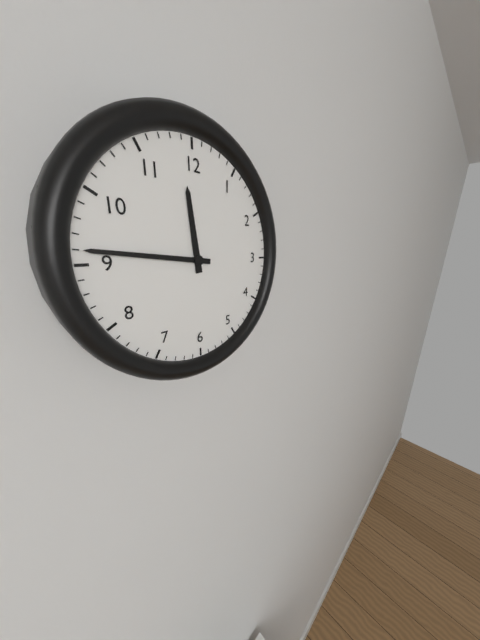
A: **11:46**
